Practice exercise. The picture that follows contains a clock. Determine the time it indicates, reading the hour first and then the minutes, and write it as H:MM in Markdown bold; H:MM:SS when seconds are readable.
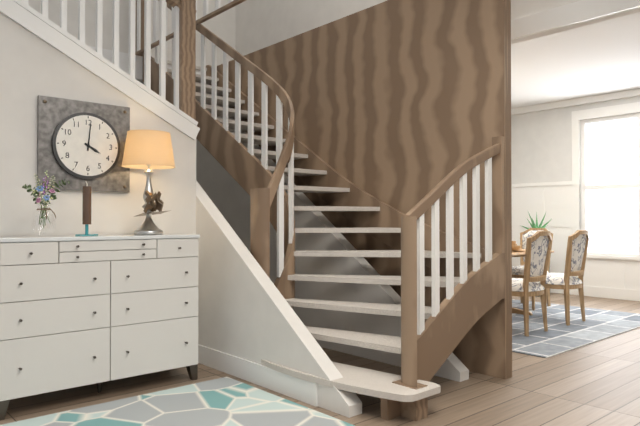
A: **4:01**
